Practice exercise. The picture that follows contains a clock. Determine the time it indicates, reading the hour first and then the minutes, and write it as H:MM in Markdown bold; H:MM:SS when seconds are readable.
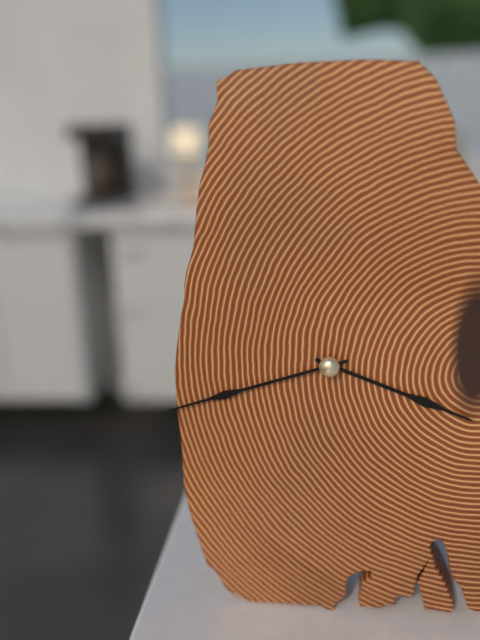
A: **3:42**
